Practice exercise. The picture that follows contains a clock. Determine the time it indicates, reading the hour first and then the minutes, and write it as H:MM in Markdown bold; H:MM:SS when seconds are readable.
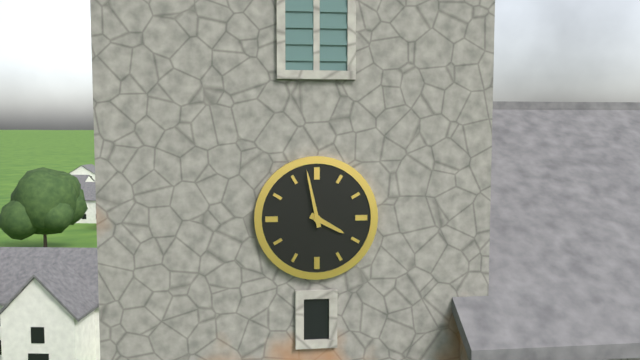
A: **3:58**
